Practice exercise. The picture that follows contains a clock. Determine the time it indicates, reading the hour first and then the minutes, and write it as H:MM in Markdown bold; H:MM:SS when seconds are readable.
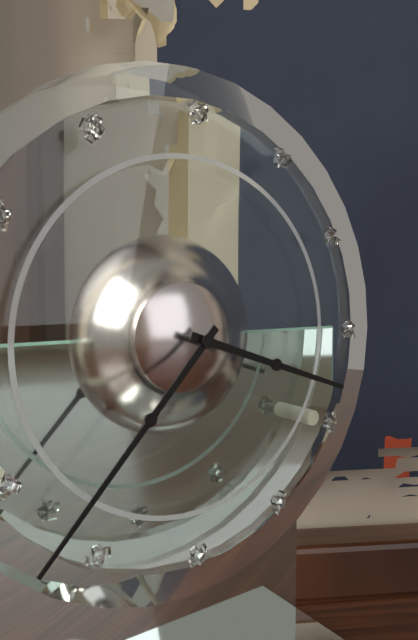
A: **3:37**
